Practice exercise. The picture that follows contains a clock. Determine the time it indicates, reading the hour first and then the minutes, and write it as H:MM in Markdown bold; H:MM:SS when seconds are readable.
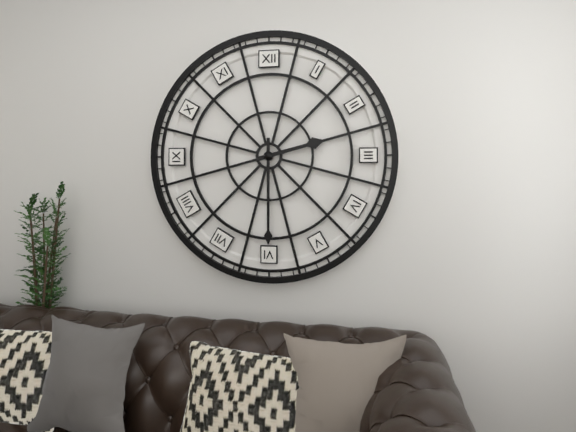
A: **2:30**
